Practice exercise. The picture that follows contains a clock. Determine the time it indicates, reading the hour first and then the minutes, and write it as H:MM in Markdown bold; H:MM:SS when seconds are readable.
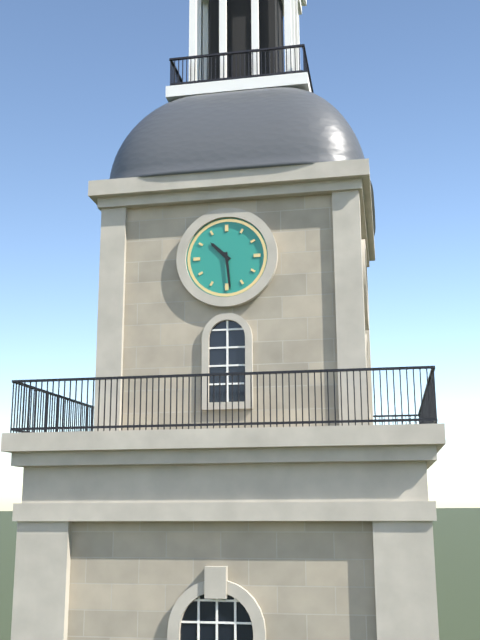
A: **10:29**
